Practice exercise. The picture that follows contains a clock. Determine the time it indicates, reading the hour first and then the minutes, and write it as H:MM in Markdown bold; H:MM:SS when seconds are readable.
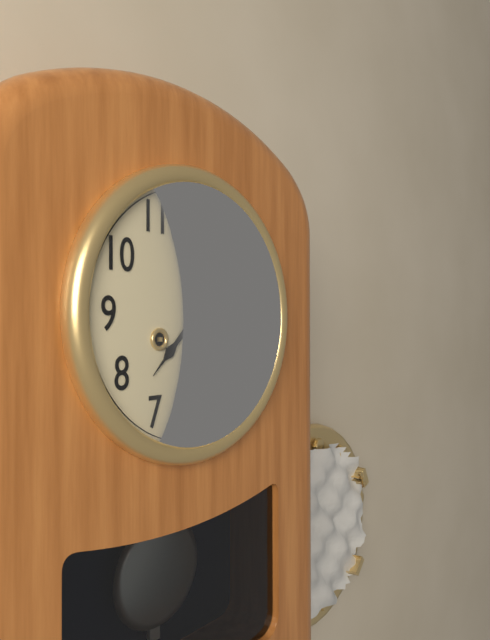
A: **7:29**
